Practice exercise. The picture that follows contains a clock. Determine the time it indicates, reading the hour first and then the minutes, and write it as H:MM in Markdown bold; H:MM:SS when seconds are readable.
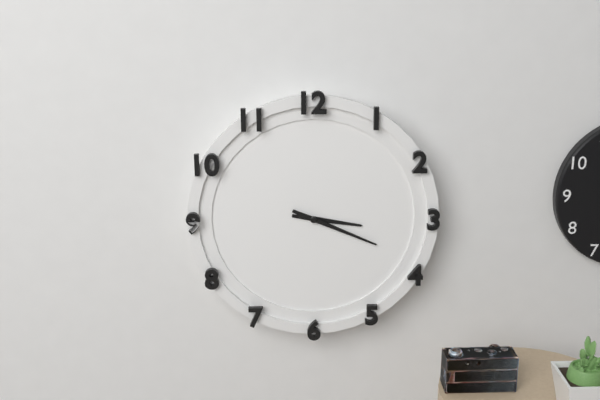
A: **3:19**
